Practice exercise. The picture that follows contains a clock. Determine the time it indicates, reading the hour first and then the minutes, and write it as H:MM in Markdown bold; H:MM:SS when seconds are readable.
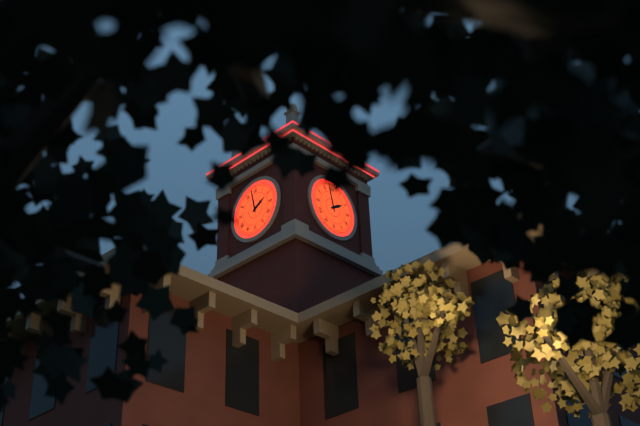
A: **1:58**
